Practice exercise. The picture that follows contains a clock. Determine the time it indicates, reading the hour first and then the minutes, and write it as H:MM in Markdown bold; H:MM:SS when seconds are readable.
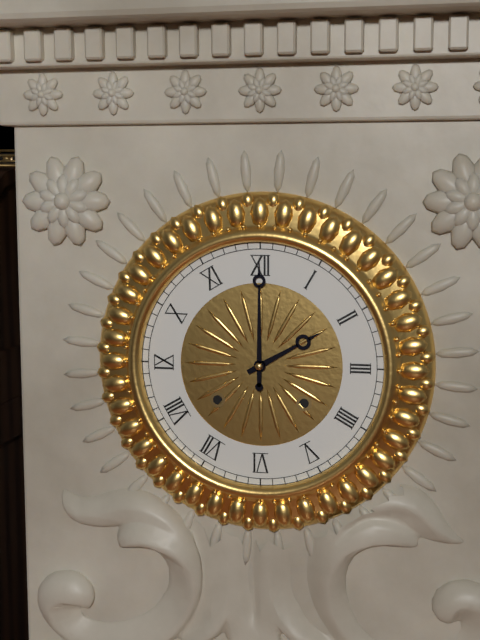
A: **2:00**
